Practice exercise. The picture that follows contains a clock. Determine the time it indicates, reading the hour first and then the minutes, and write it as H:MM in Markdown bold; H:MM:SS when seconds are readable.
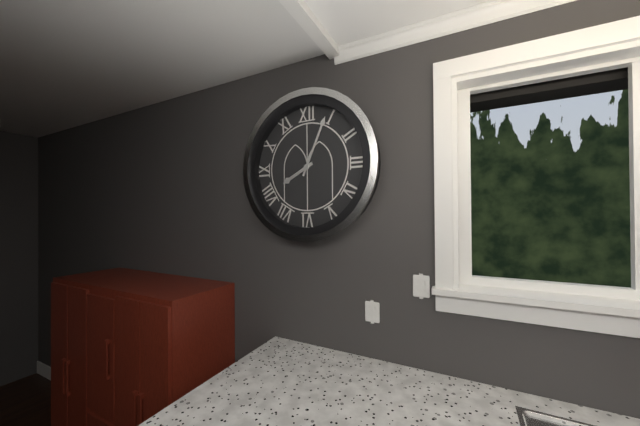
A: **8:04**
